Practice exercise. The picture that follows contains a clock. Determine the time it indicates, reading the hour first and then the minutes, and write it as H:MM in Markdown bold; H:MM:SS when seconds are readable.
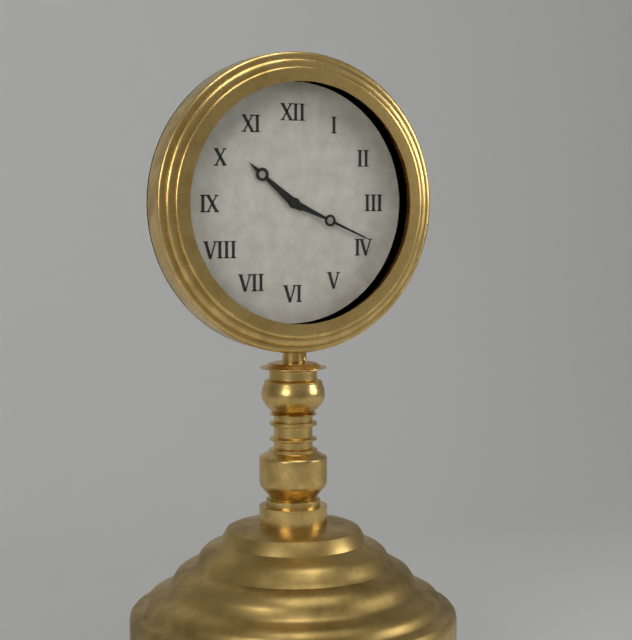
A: **10:19**
